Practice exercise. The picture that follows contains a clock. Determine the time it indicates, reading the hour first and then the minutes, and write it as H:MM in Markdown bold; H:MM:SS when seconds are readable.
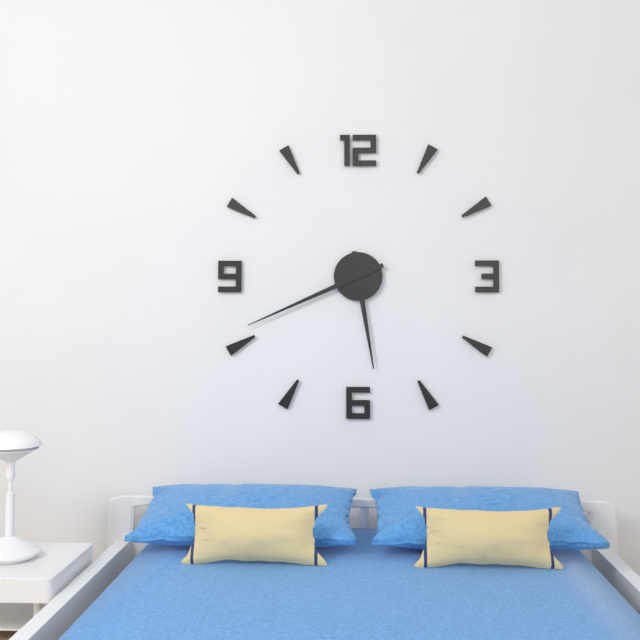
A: **5:41**
